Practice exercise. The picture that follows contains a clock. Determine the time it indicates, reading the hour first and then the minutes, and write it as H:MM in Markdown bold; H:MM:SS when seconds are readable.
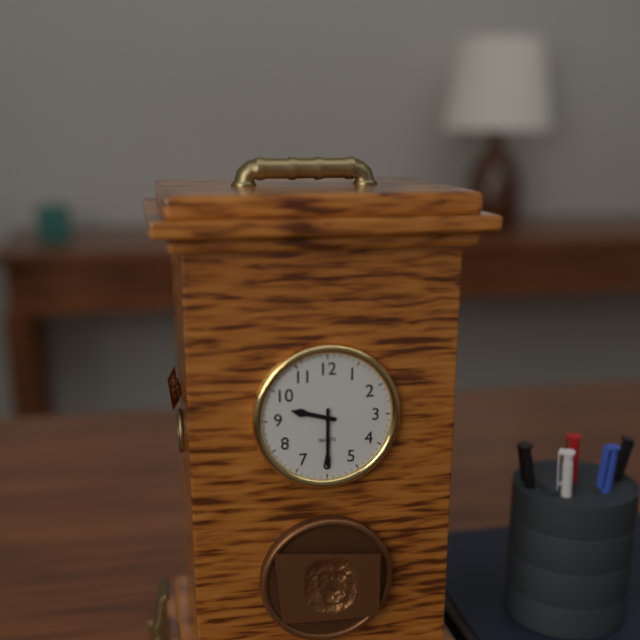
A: **9:30**
